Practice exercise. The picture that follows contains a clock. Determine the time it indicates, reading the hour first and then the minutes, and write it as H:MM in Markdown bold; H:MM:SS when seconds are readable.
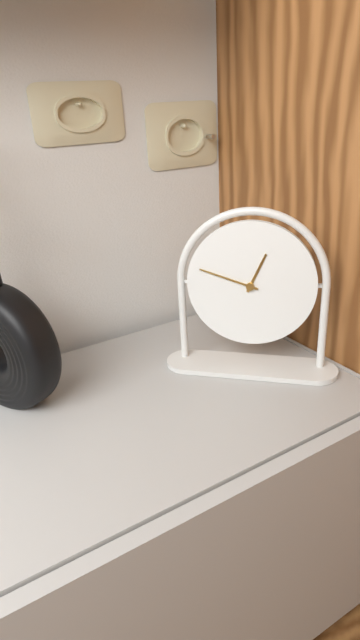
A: **12:48**
